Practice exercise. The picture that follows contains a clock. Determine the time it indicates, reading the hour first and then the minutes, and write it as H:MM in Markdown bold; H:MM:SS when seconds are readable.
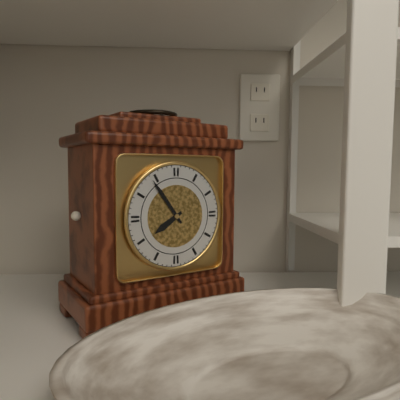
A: **7:54**
